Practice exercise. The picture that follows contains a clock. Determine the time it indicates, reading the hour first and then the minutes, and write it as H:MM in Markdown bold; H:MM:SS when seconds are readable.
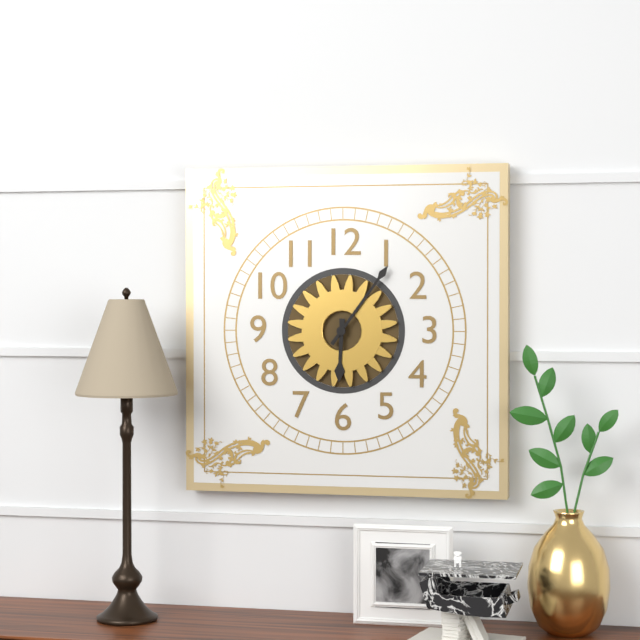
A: **6:06**
